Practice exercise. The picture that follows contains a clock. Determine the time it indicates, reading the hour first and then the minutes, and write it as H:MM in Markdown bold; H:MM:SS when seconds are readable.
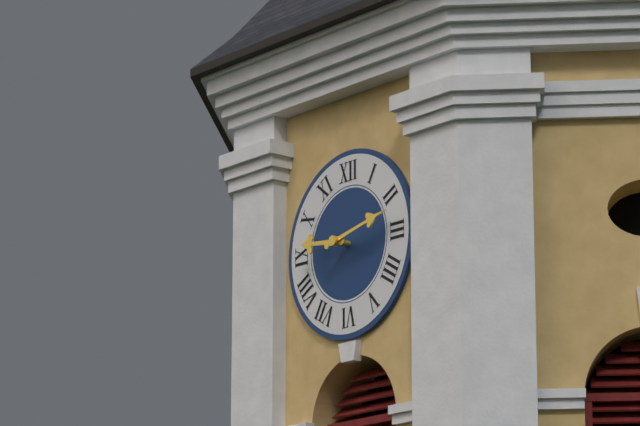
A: **9:13**
